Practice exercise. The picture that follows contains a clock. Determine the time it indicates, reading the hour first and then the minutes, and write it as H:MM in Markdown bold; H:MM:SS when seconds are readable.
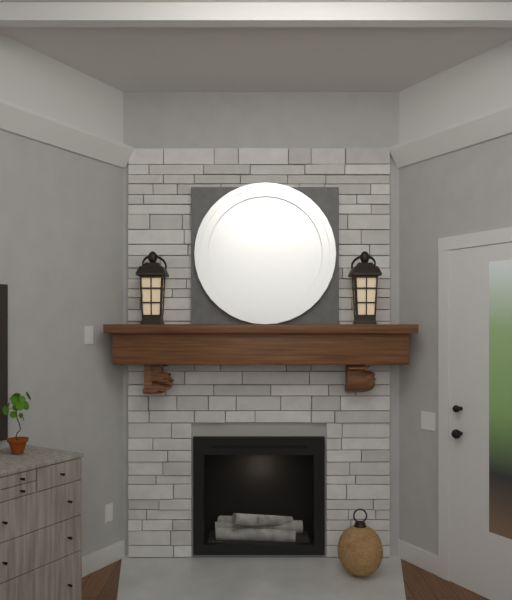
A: **4:12**
